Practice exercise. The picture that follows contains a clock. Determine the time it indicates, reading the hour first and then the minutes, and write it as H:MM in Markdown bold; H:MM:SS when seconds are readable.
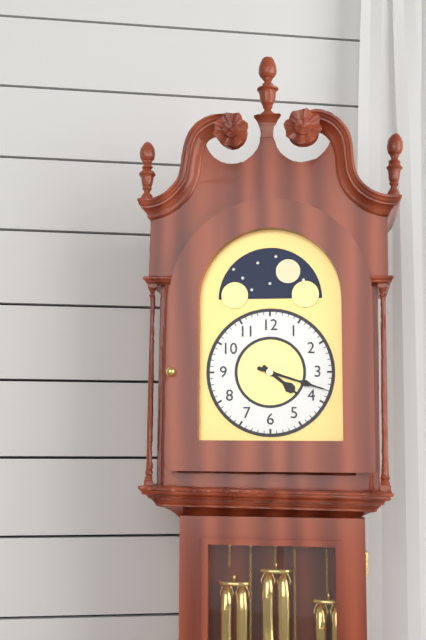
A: **4:18**
